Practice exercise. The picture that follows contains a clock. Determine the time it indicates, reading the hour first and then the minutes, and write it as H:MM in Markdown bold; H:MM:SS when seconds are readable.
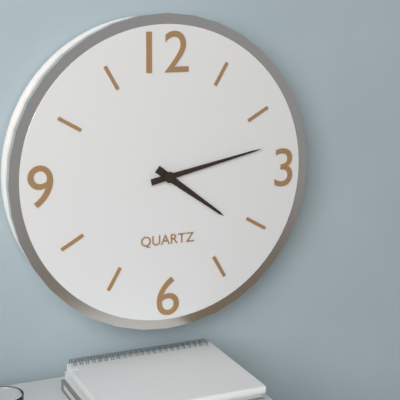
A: **4:13**
